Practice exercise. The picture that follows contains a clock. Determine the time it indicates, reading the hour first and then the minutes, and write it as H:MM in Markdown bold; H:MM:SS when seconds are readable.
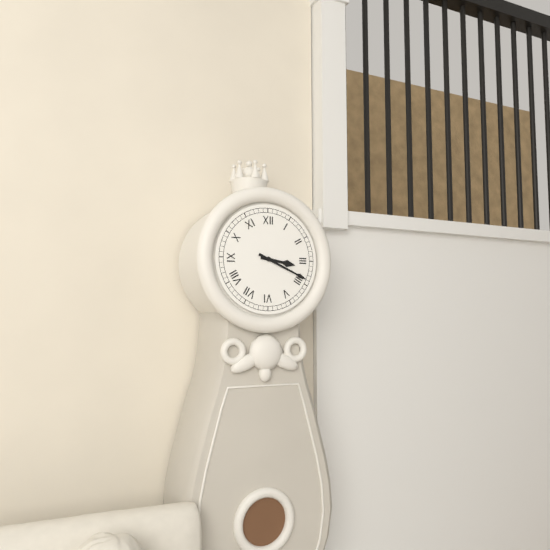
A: **3:19**
